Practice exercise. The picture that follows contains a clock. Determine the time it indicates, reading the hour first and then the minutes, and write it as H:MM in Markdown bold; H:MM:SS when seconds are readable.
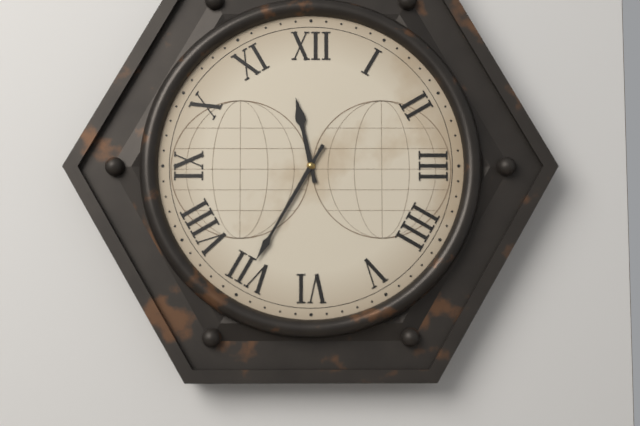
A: **11:35**
